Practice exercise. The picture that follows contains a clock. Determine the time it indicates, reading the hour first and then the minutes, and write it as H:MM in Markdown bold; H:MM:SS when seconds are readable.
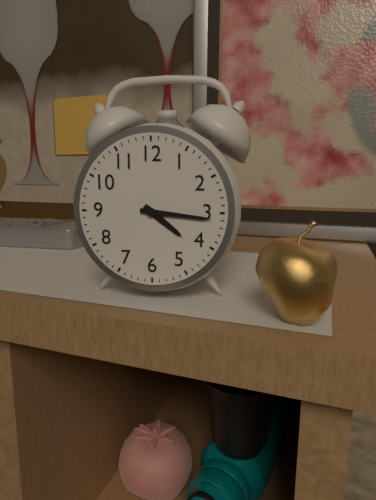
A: **4:16**
